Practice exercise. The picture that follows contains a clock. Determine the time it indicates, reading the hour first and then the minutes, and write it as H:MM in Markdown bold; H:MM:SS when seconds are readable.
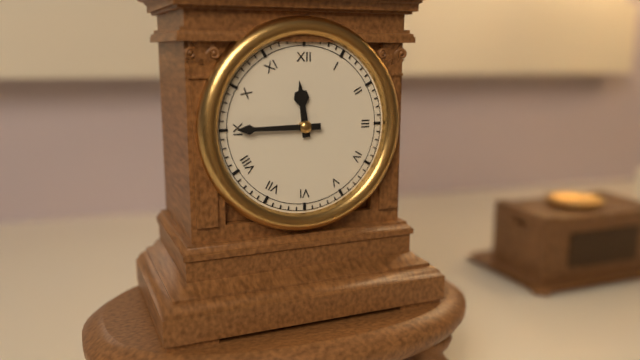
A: **11:45**
